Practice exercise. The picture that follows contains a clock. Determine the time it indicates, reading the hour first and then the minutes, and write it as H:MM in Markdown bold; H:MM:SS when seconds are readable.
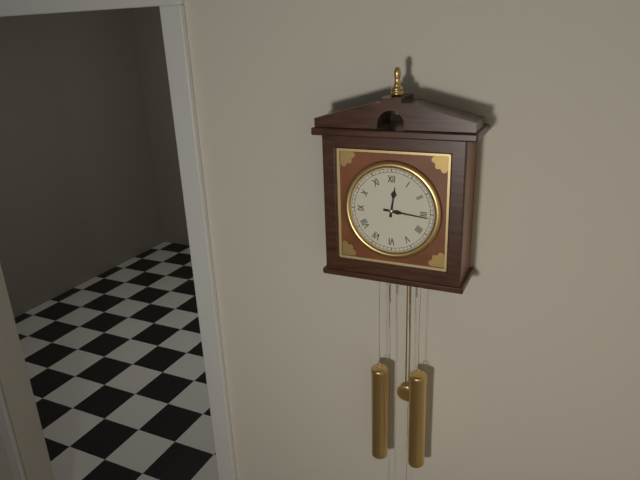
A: **12:16**
